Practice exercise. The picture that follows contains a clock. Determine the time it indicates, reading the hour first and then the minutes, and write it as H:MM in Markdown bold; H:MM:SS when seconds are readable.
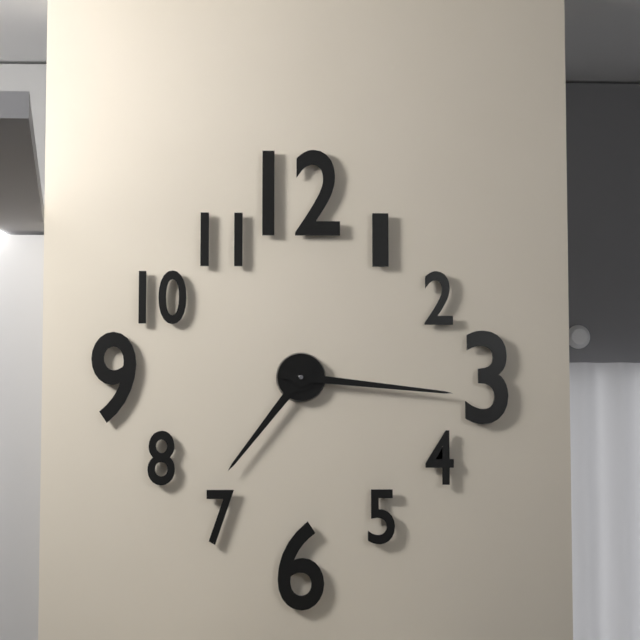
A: **7:16**
